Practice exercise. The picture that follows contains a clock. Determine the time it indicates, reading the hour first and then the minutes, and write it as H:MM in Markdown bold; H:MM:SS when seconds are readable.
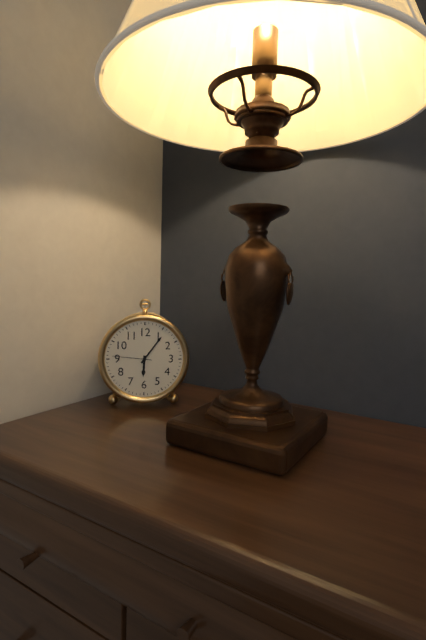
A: **6:06**
